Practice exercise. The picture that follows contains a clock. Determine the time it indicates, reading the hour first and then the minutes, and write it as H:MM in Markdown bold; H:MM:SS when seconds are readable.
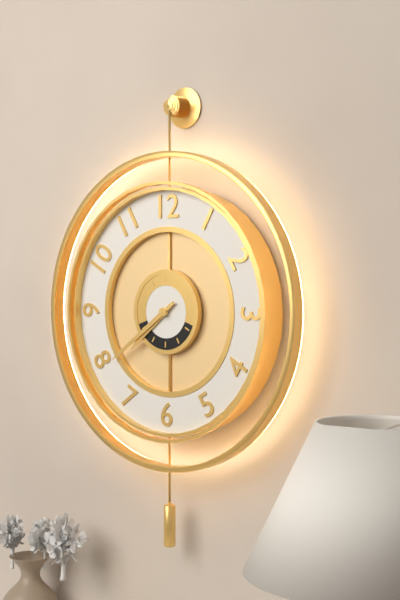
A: **7:39**
